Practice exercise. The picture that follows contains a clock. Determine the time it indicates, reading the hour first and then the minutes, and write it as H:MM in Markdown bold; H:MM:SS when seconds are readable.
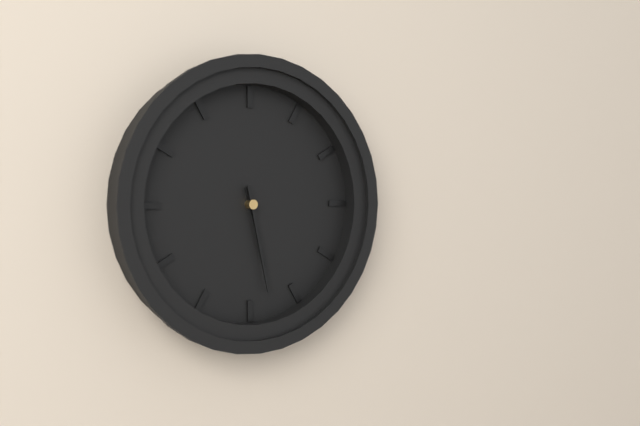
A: **5:28**
